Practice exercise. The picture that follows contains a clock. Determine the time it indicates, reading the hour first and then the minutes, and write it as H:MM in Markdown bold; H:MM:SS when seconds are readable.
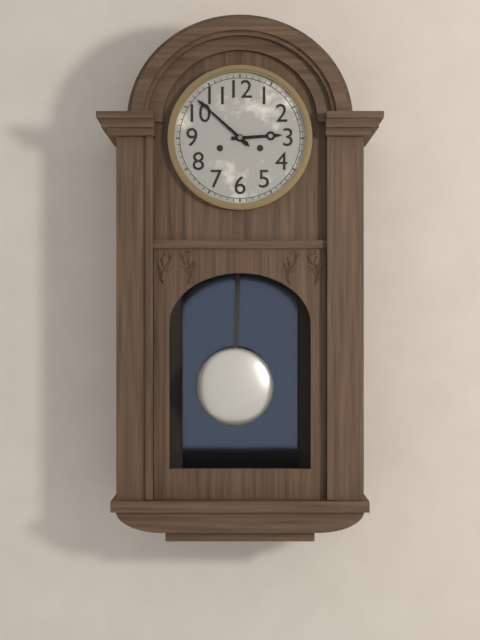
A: **2:52**
